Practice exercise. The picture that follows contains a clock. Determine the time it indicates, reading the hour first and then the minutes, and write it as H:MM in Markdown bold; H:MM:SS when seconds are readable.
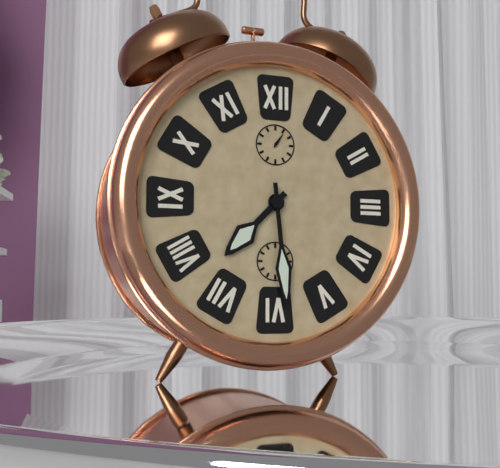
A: **7:29**
